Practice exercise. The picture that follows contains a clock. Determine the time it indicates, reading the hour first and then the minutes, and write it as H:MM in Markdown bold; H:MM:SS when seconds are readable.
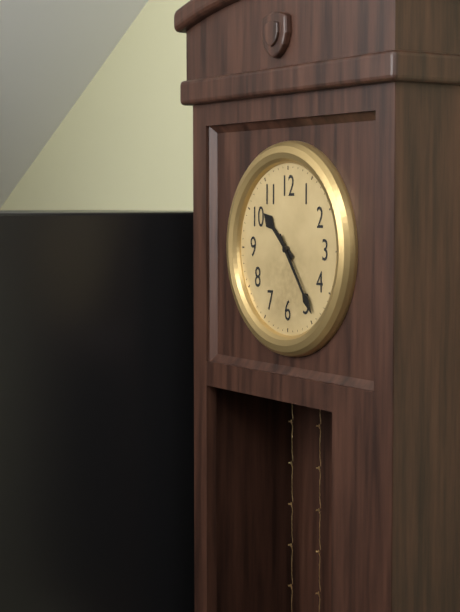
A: **10:24**
